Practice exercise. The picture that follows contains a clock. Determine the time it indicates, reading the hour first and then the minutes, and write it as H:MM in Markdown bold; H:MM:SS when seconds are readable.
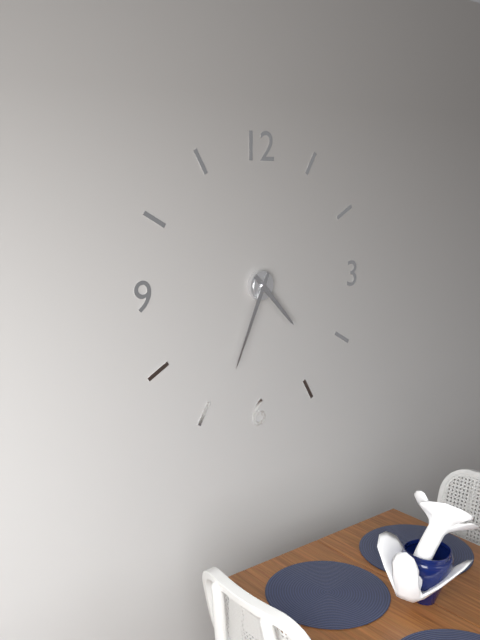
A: **4:34**
